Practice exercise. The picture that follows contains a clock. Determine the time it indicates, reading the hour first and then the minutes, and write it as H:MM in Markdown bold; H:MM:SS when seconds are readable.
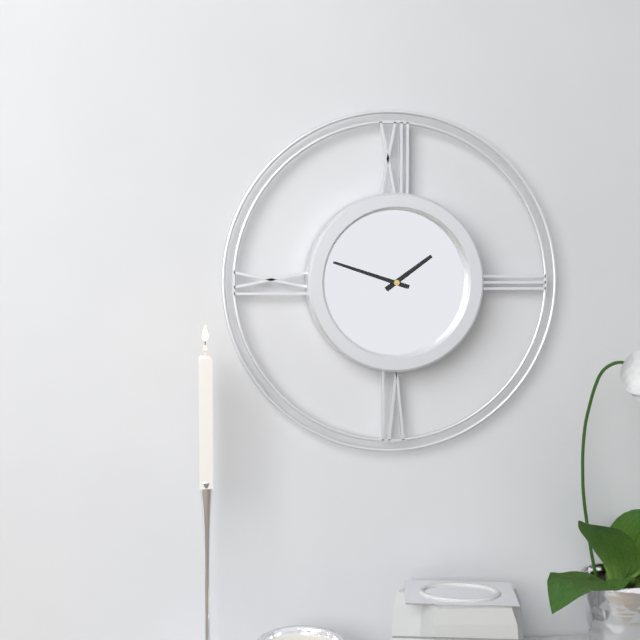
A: **1:48**
